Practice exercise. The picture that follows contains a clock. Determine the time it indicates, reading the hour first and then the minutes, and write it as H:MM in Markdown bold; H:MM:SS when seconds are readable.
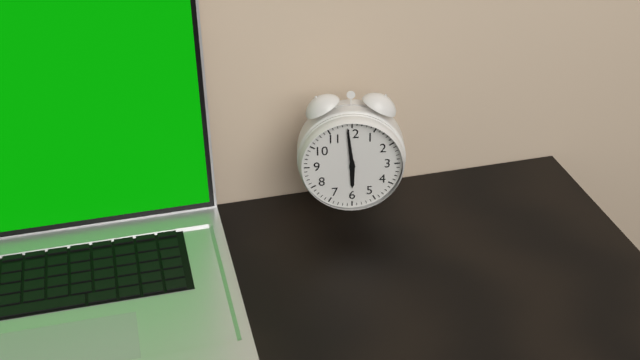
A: **5:59**
